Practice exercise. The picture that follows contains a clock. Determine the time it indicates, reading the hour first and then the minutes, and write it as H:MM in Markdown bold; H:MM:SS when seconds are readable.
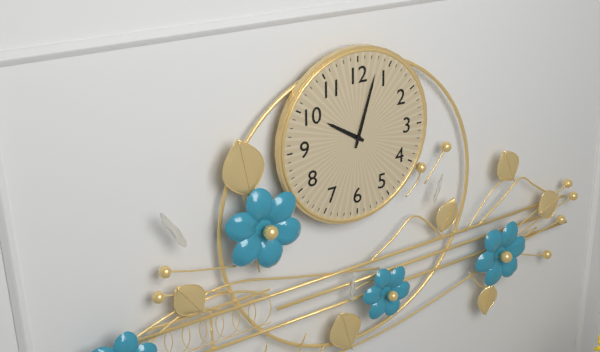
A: **10:03**
